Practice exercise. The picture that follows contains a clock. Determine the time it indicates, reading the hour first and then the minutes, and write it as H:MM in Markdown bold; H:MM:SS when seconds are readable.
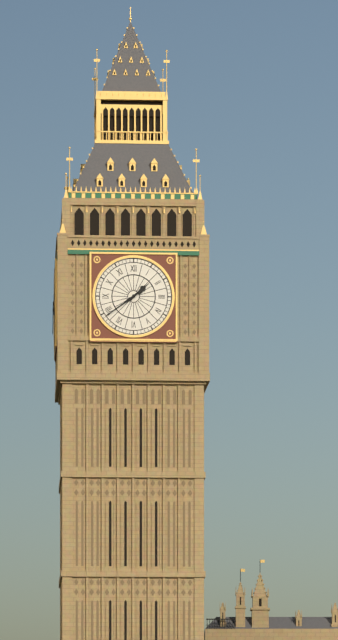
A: **1:39**
